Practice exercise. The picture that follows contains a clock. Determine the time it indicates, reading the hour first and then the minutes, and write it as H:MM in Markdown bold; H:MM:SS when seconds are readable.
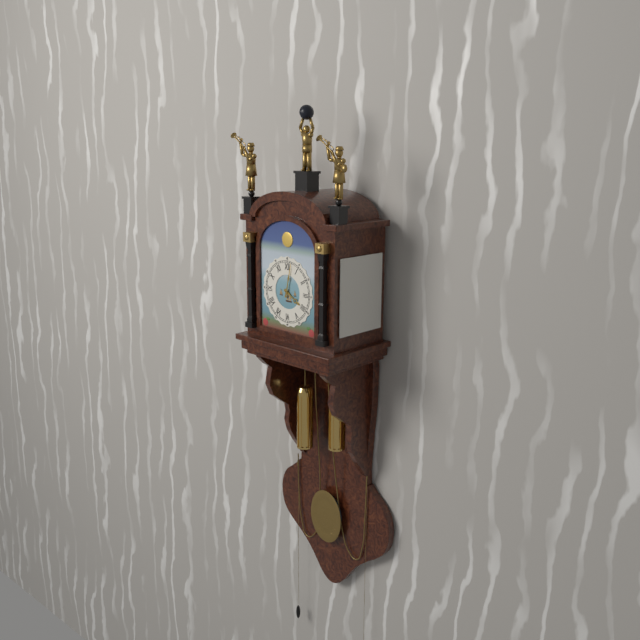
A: **4:02**
